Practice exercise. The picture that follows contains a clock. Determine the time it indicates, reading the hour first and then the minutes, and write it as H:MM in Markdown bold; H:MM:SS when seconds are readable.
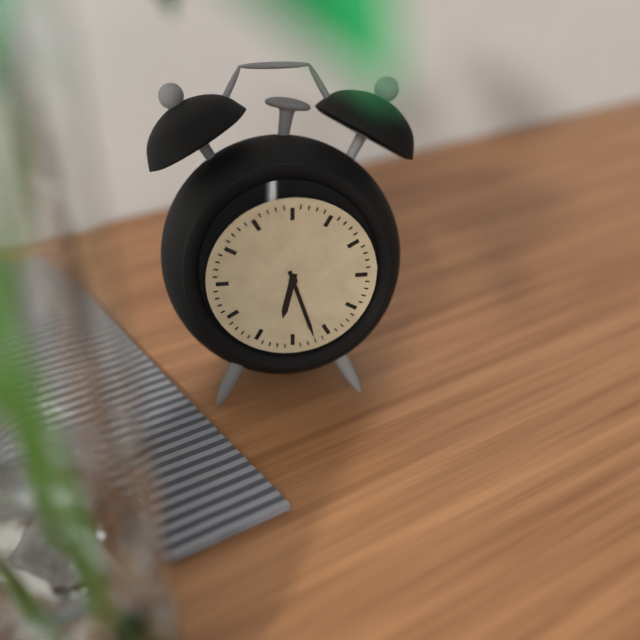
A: **6:27**
